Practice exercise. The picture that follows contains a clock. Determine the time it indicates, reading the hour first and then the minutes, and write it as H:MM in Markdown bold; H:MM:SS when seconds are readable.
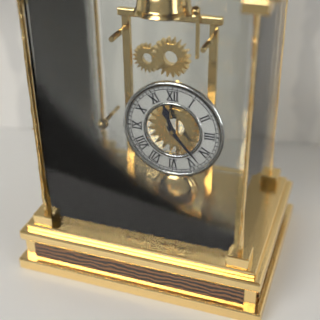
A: **11:23**
